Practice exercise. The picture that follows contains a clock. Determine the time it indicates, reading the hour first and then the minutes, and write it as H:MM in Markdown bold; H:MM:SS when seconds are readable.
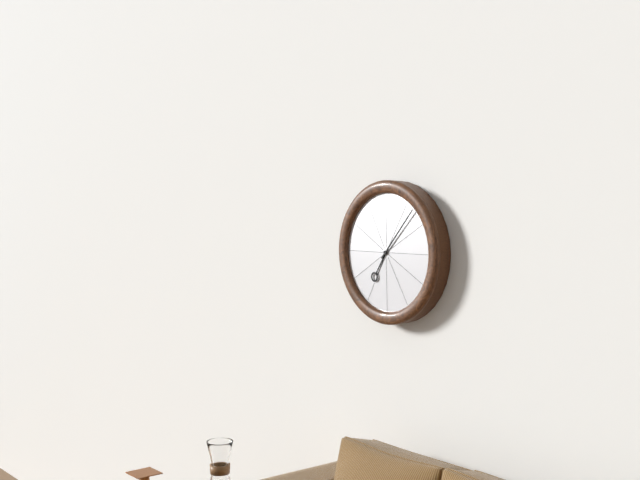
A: **7:07**
